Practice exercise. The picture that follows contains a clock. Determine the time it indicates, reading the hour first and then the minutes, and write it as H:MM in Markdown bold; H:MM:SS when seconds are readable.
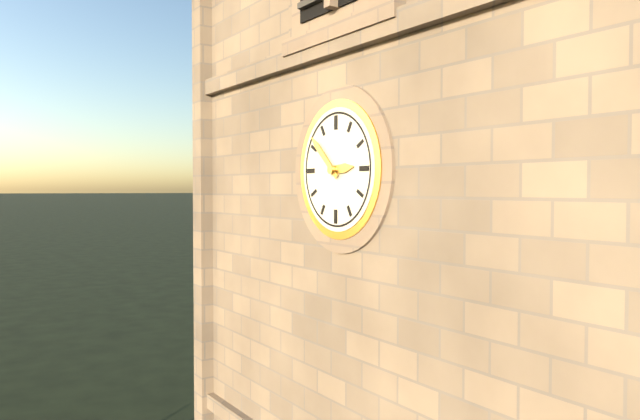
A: **2:52**
